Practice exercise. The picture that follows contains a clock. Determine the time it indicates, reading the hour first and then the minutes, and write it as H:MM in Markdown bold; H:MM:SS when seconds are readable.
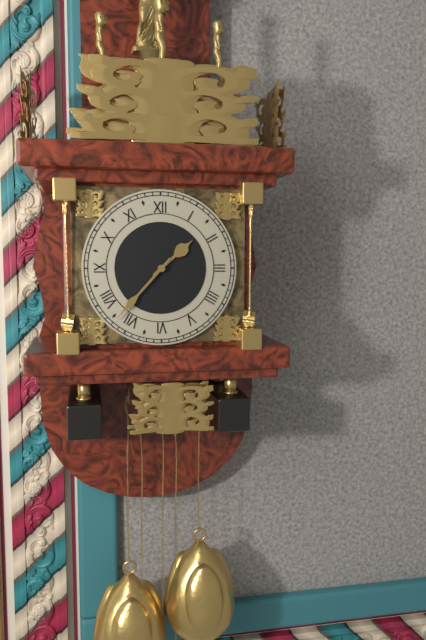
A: **1:37**
